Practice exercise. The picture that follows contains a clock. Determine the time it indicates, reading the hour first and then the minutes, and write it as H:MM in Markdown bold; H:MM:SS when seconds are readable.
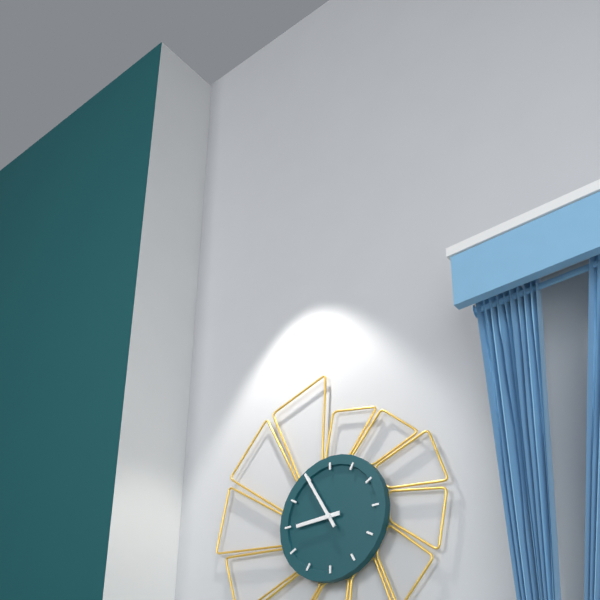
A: **8:55**
